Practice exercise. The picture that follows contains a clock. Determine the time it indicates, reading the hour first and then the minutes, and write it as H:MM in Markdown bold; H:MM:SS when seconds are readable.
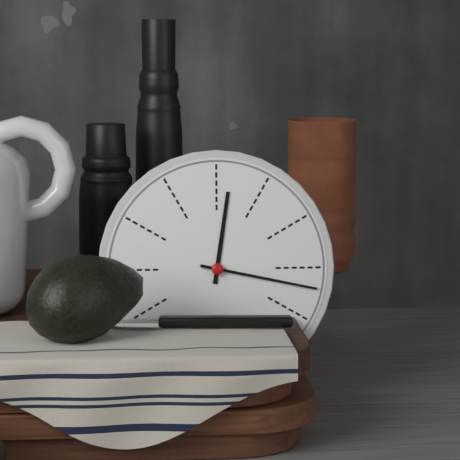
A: **12:17**
